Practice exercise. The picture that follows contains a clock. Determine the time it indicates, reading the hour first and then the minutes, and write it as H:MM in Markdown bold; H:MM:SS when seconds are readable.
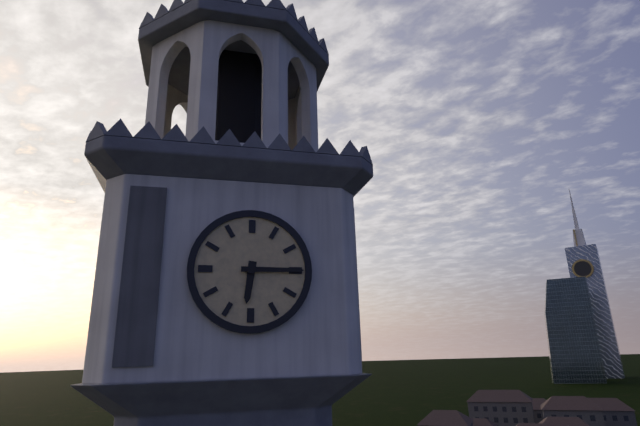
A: **6:15**
